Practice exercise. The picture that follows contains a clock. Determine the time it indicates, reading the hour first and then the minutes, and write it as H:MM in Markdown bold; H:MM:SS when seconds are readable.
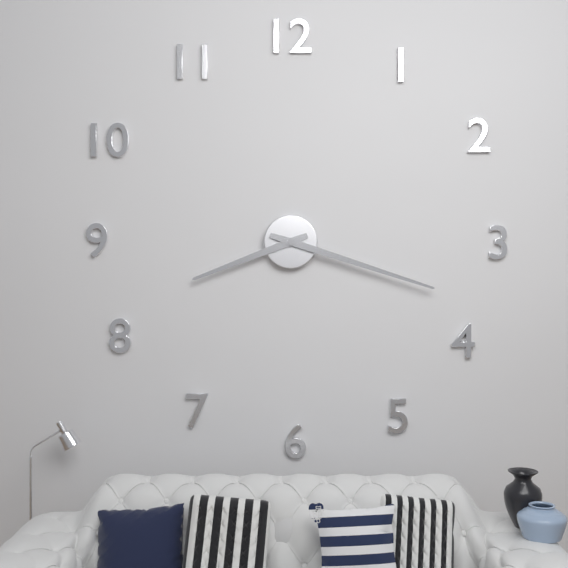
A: **8:18**
